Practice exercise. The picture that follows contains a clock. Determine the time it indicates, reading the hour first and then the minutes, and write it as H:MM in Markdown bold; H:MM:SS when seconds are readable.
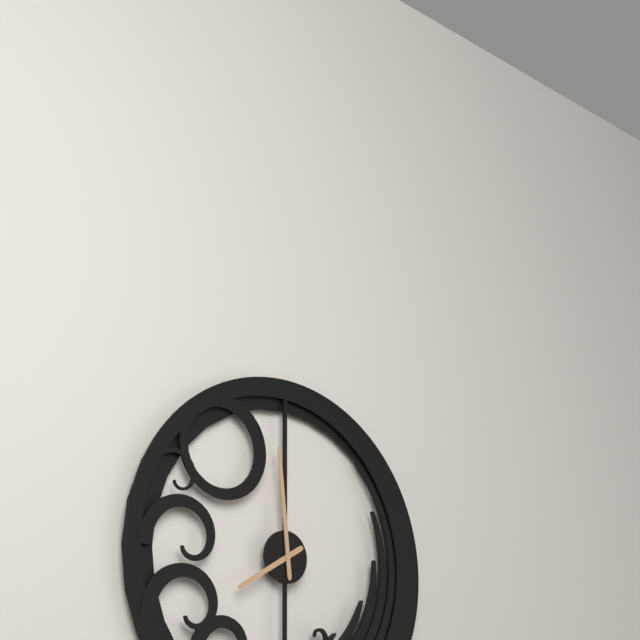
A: **7:59**
